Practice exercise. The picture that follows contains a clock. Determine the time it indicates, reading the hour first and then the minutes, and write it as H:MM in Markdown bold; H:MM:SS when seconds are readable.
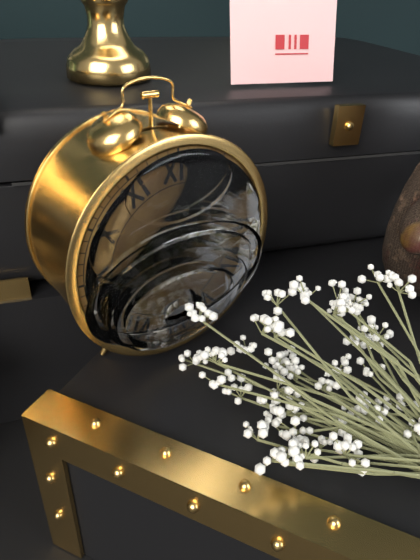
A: **1:18**
